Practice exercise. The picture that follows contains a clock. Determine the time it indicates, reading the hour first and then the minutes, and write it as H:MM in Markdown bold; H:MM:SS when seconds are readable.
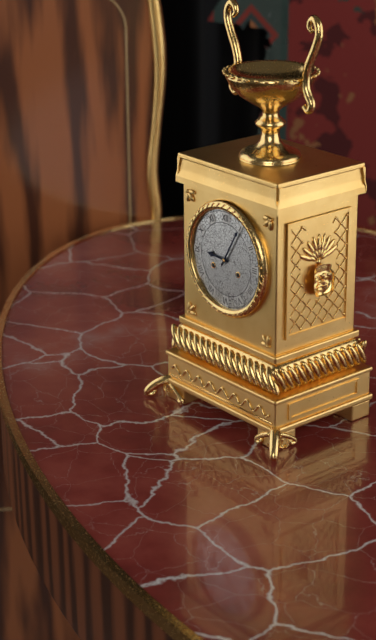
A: **9:05**
